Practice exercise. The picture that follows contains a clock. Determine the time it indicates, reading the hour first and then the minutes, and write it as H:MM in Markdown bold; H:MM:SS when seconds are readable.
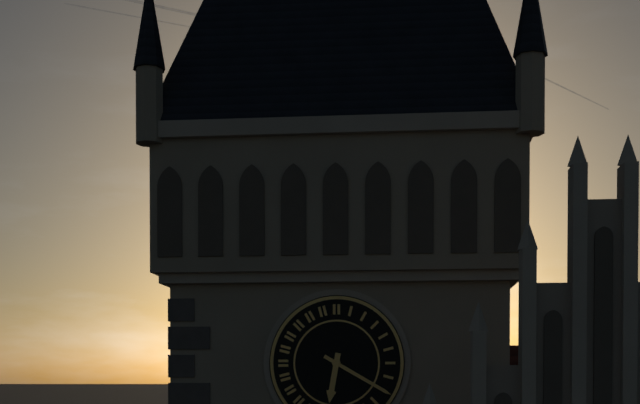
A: **6:20**
